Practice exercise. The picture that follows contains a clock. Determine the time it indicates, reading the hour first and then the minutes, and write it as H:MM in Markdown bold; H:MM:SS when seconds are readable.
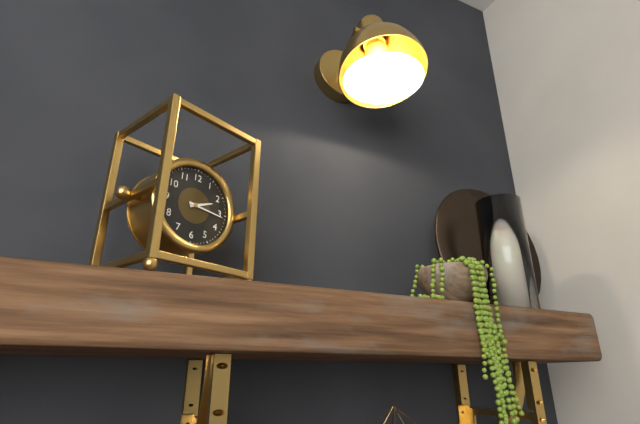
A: **2:16**
